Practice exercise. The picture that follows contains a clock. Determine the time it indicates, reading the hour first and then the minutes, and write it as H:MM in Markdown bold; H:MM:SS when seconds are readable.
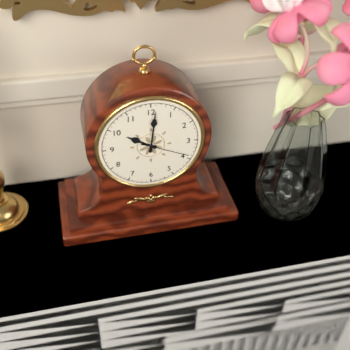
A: **10:01**
